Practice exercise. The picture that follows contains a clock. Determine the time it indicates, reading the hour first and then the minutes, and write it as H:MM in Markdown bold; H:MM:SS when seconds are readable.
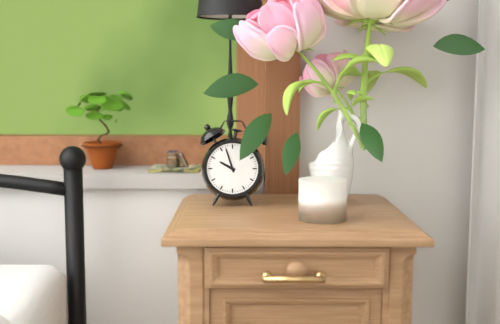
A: **9:57**
